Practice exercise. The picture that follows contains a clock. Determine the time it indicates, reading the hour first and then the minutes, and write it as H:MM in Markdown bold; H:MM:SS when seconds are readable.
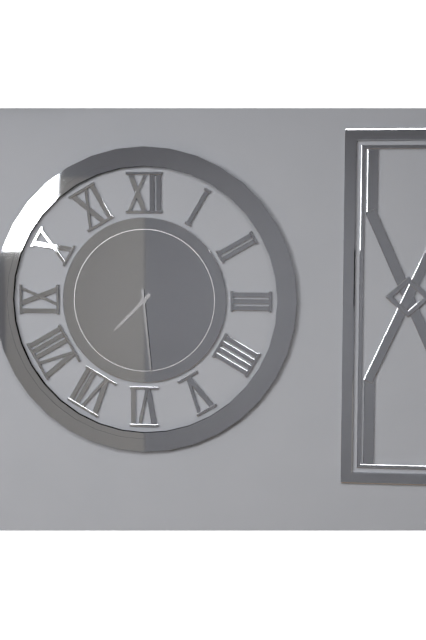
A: **7:29**
